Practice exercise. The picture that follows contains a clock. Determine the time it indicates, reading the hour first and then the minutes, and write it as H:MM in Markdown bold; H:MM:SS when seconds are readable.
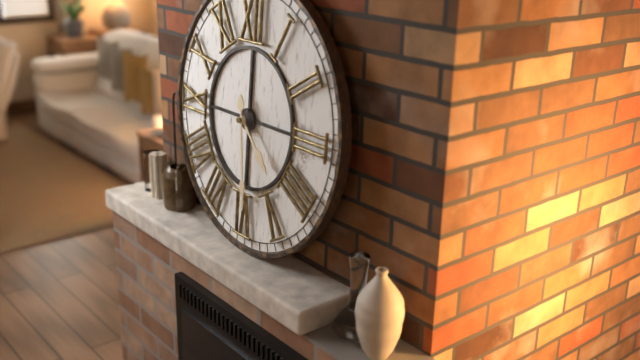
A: **4:29**
